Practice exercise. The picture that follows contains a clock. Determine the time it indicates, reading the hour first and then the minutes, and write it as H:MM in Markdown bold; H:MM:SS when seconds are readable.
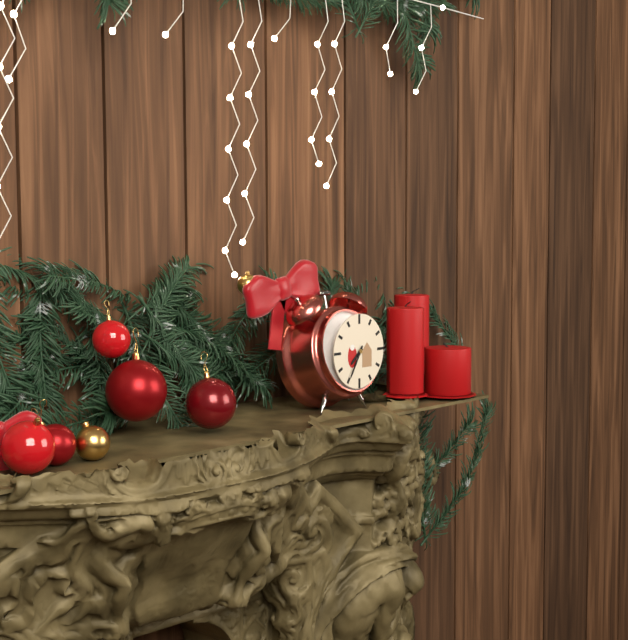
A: **7:35**
